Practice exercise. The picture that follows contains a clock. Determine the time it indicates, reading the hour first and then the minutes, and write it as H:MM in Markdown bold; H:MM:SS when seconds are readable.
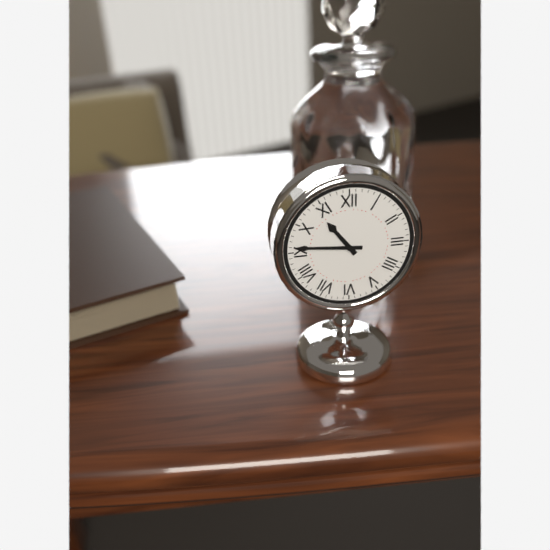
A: **10:46**
